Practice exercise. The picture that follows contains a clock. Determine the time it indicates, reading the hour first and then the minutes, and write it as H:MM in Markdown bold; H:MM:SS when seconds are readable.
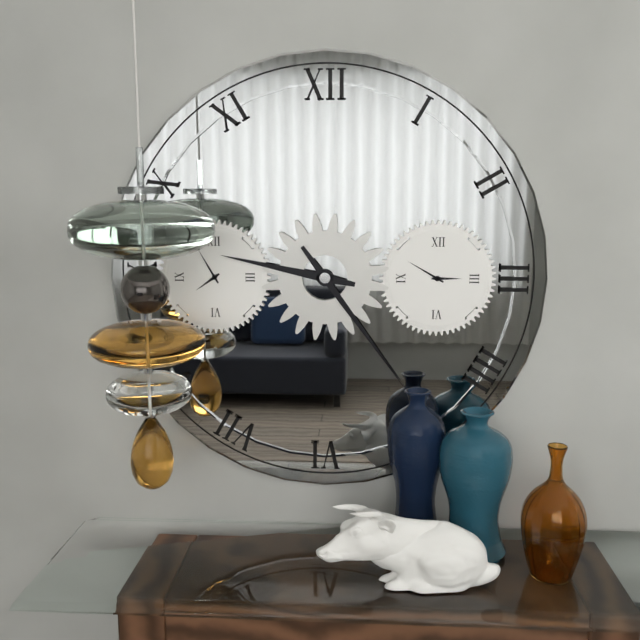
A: **9:24**
